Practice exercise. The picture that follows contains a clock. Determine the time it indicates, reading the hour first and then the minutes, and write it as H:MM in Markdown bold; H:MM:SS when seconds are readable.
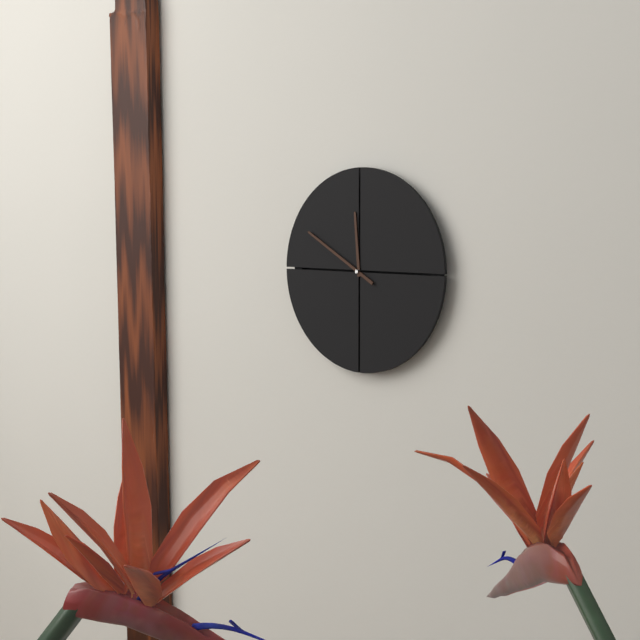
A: **11:50**
